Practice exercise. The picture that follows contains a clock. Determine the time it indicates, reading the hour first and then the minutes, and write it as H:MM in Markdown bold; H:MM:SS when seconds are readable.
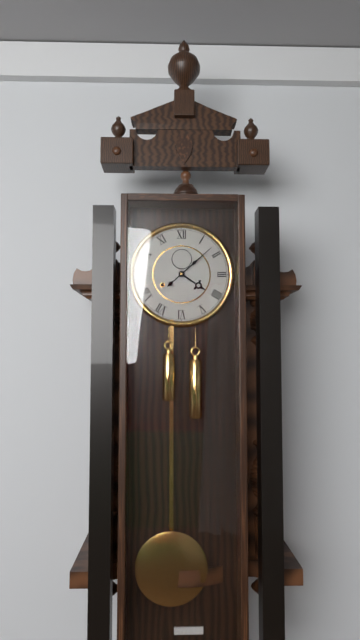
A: **4:08**
